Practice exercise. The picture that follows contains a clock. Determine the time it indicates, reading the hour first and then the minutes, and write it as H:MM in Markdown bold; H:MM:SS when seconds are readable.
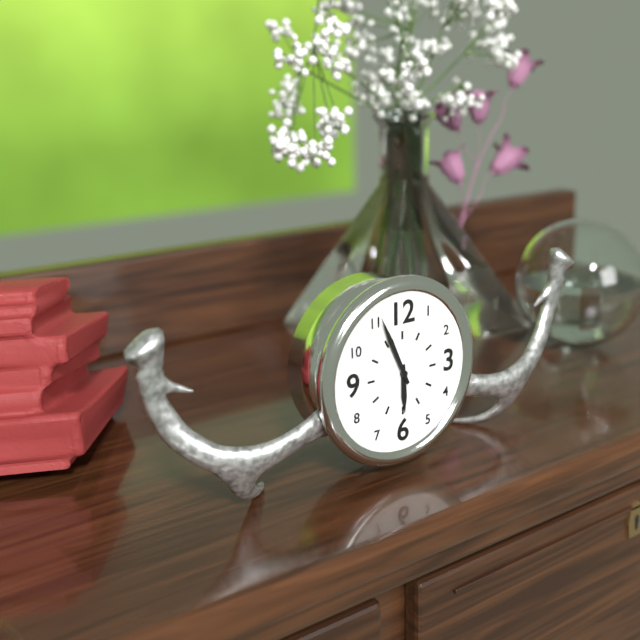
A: **5:56**
